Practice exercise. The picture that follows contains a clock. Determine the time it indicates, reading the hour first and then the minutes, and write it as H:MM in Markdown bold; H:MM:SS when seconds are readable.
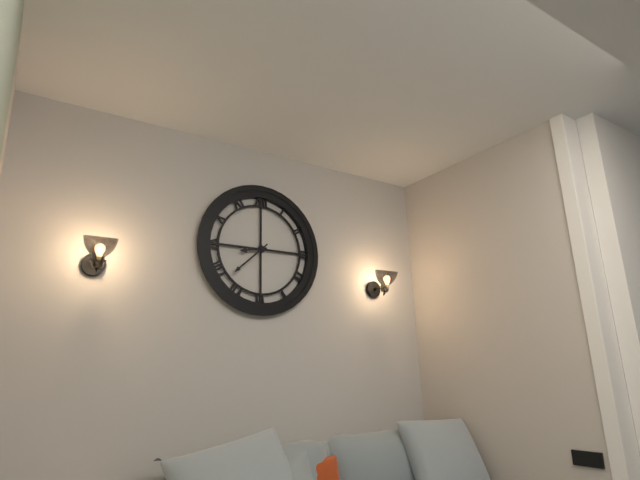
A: **8:38**
